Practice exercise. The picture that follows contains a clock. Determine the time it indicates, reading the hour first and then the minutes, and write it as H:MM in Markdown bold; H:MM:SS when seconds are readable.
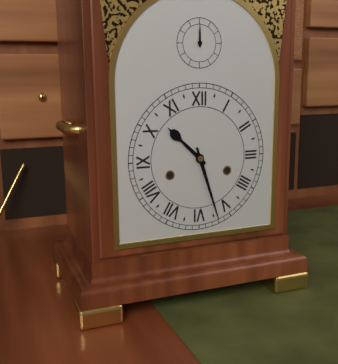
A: **10:27**
